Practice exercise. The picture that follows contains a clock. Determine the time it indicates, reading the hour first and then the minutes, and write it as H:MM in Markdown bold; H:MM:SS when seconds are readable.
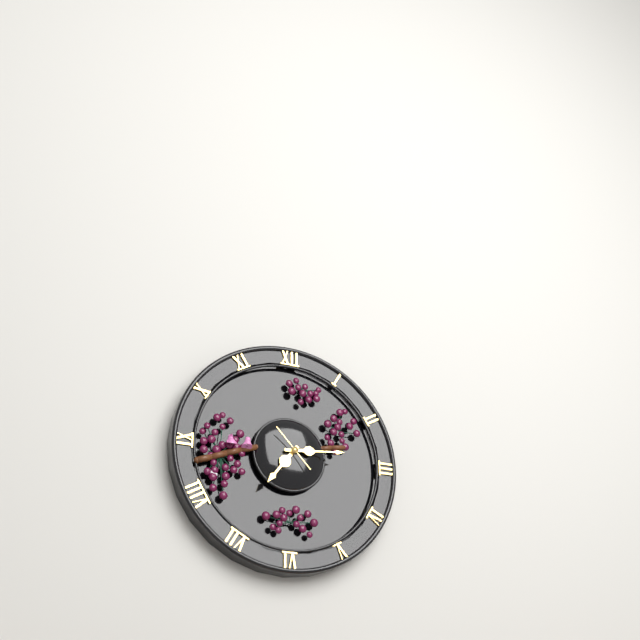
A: **7:14**
